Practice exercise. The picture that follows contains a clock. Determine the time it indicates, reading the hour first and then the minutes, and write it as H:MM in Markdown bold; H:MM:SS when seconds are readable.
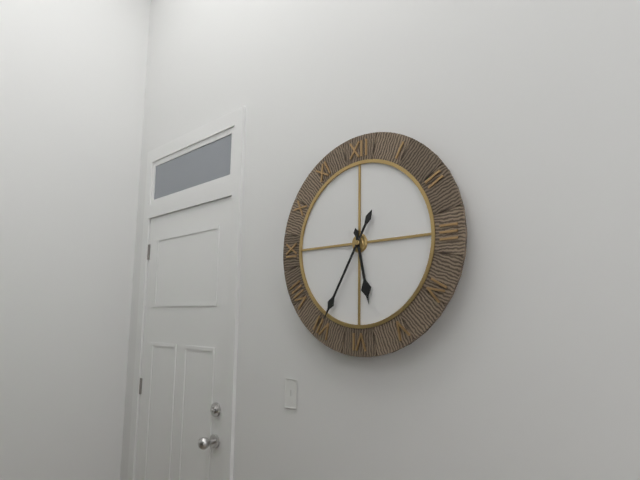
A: **5:35**
